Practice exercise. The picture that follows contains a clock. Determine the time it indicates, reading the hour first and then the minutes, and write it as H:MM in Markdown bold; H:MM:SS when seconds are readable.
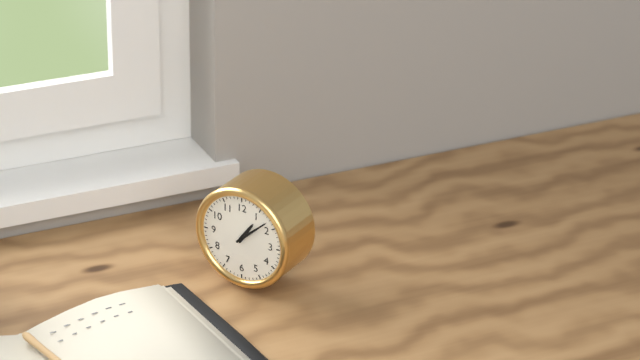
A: **1:08**
